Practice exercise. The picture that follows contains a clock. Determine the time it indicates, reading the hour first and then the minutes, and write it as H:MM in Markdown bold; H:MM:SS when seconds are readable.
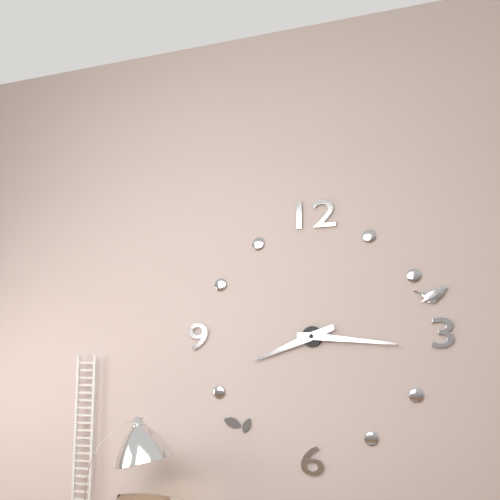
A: **8:16**
